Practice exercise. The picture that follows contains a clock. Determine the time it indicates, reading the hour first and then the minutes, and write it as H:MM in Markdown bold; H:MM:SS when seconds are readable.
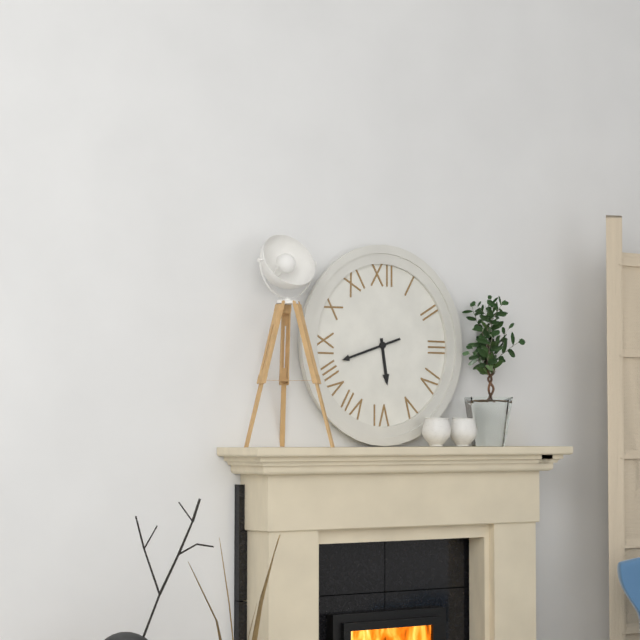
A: **5:42**
